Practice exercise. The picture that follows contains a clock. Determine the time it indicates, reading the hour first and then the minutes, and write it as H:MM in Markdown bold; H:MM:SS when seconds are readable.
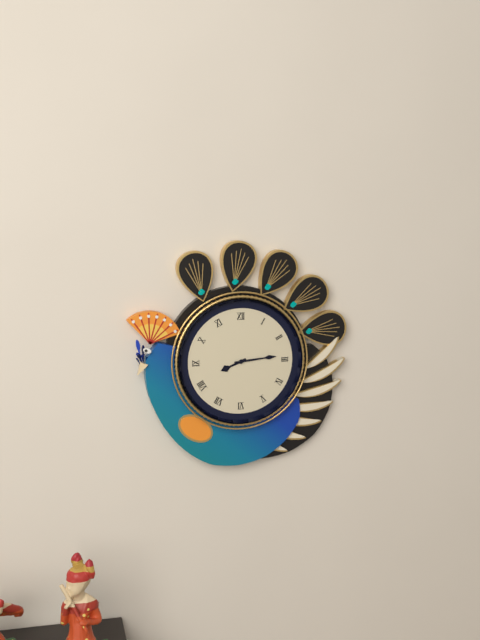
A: **8:14**
